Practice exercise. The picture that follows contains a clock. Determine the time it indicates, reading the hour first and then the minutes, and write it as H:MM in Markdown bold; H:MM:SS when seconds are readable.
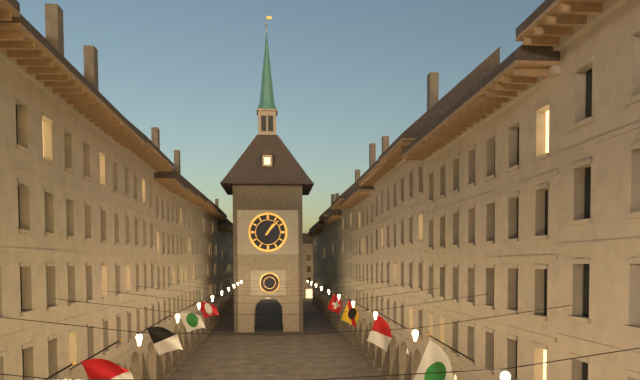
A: **1:07**
